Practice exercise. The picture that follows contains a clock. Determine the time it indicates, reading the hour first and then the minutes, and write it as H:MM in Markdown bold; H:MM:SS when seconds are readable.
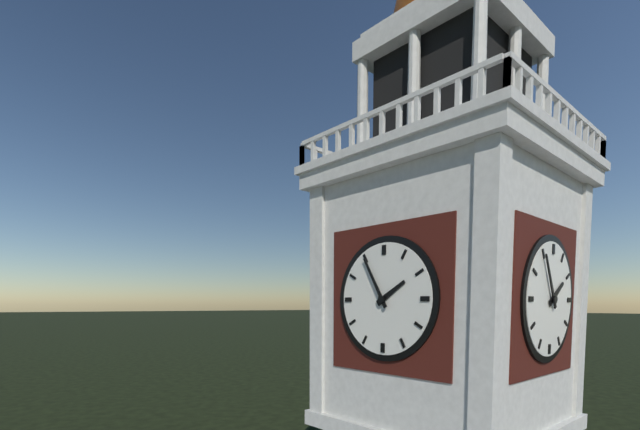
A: **1:55**
